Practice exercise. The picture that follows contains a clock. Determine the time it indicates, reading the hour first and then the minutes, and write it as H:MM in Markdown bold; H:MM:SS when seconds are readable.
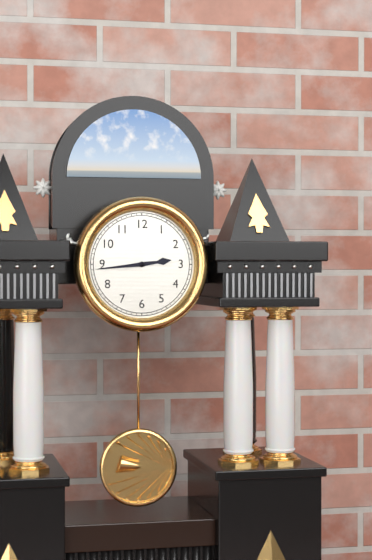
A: **2:44**
